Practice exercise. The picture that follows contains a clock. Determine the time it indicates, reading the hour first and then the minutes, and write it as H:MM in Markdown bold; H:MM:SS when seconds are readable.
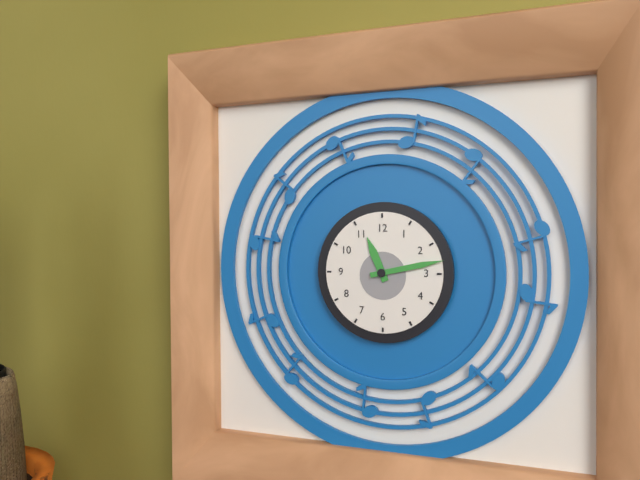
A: **11:13**
